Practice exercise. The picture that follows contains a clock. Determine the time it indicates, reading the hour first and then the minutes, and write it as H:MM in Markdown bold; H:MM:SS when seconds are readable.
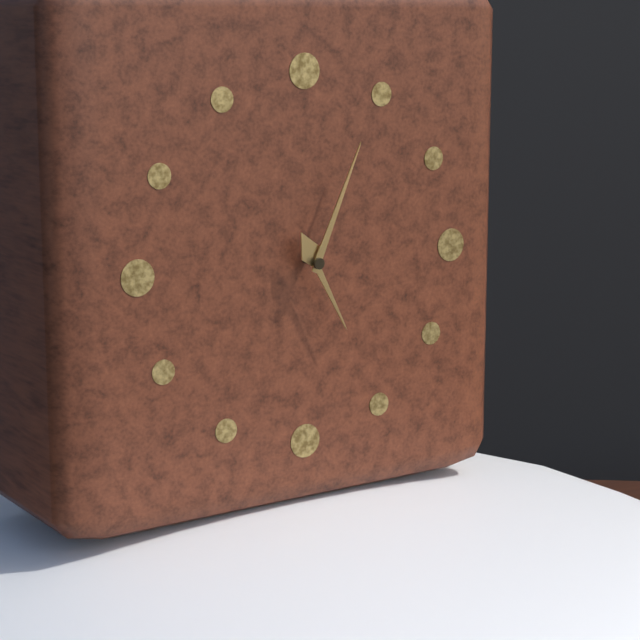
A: **5:04**
